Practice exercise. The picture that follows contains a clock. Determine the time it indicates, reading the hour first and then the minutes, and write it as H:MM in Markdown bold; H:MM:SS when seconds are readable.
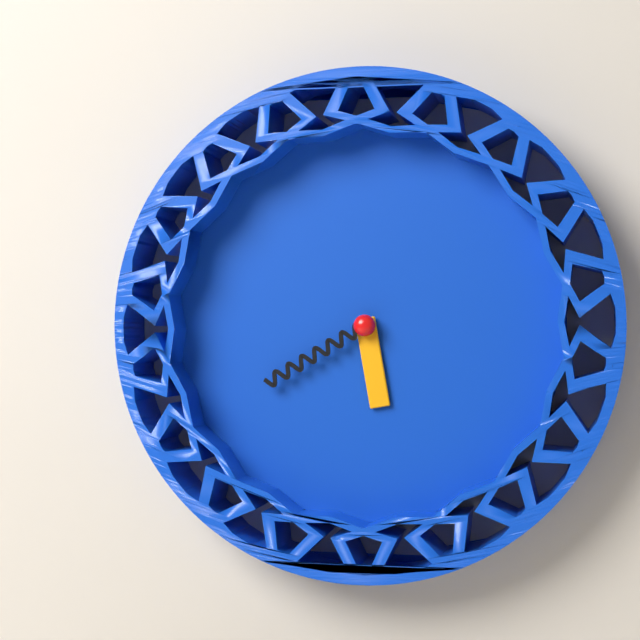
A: **5:40**
